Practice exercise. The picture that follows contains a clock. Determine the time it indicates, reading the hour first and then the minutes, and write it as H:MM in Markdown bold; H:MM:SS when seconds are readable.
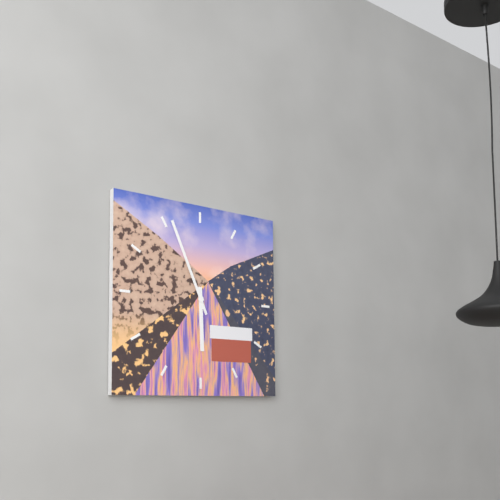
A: **5:56**
